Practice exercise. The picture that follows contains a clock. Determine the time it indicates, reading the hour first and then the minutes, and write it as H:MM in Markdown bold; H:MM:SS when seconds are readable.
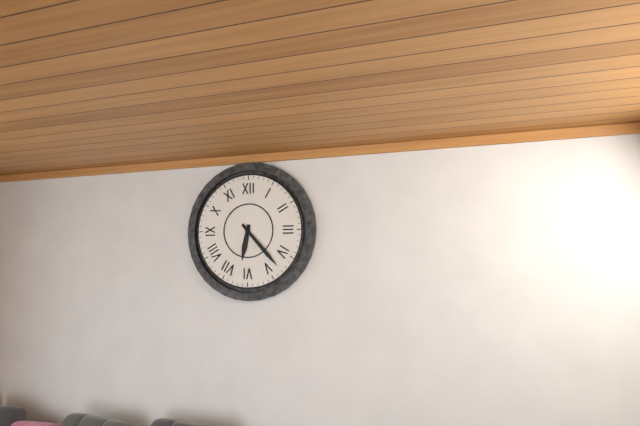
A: **6:23**
